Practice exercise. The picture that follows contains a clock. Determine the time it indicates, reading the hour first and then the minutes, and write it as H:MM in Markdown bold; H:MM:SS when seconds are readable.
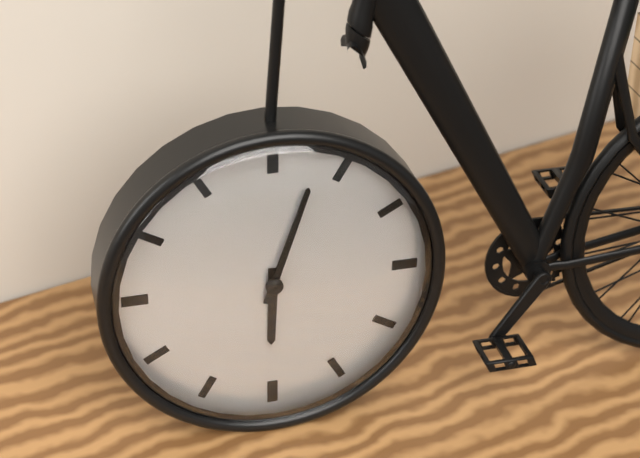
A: **6:03**
